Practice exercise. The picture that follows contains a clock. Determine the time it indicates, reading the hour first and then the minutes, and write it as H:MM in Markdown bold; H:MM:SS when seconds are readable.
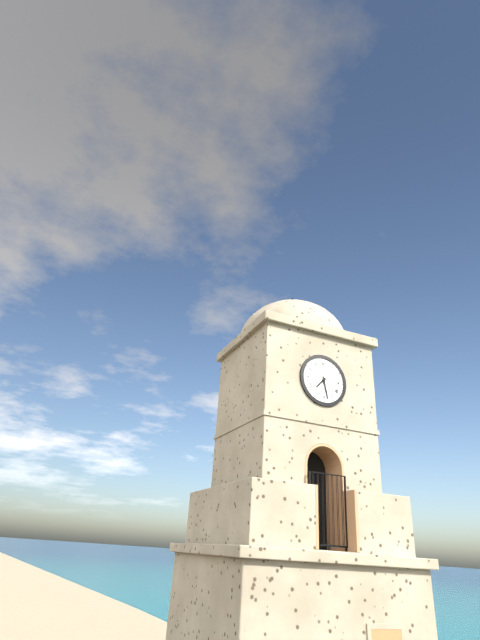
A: **7:28**
